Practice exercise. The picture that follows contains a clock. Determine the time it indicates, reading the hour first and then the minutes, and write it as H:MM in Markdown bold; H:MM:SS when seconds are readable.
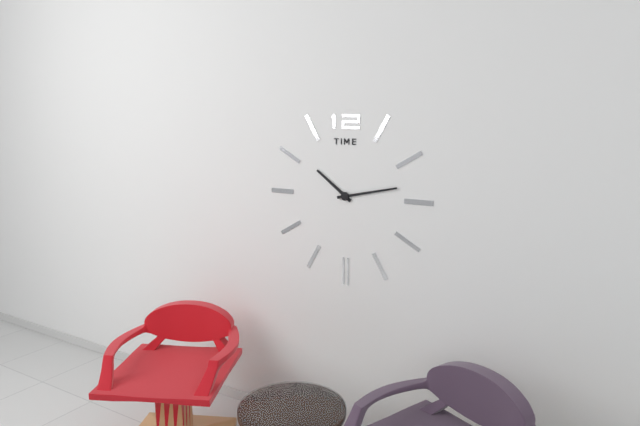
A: **10:13**
